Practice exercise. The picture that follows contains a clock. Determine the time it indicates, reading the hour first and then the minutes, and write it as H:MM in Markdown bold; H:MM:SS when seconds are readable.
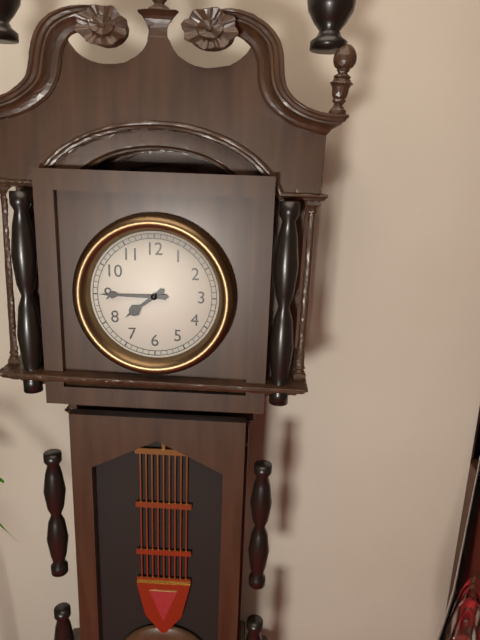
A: **7:45**
